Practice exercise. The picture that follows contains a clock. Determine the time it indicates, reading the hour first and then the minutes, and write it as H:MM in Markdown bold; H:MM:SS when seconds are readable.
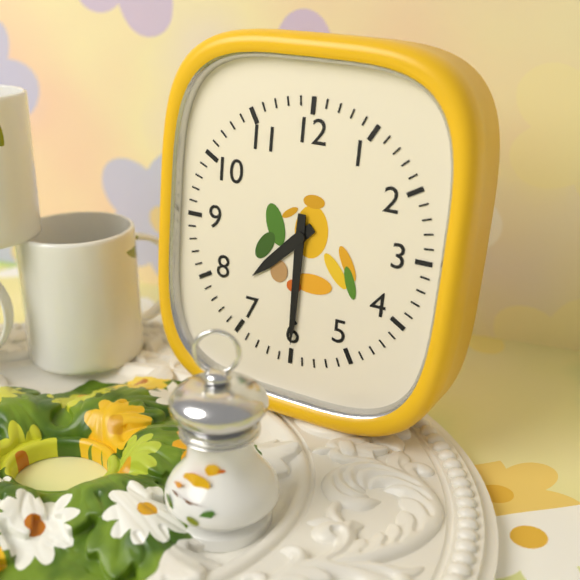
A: **7:30**
